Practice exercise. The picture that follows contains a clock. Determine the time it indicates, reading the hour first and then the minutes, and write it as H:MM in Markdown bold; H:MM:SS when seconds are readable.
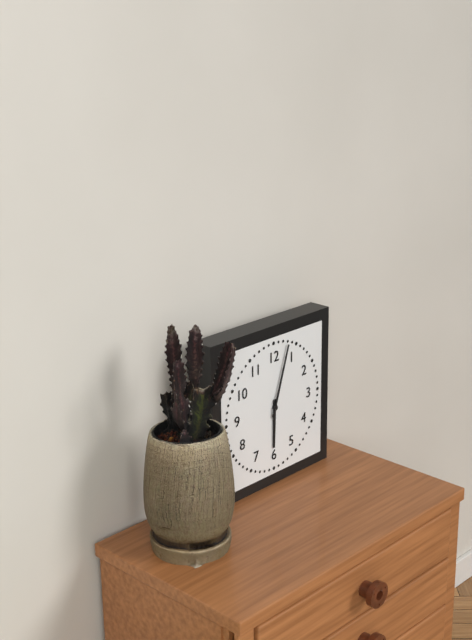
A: **6:03**
